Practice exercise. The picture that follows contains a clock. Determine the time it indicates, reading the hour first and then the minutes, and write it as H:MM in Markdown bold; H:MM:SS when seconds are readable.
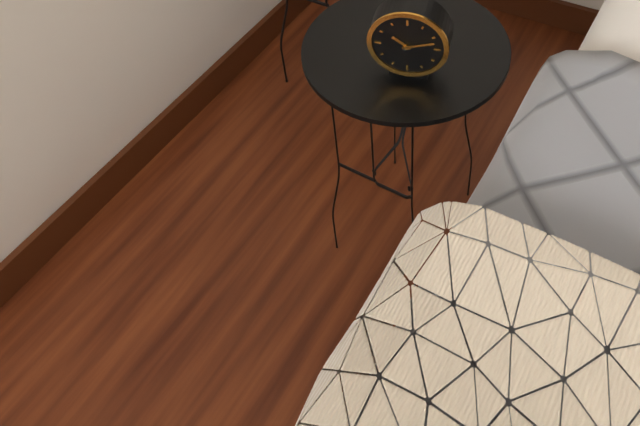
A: **10:12**
